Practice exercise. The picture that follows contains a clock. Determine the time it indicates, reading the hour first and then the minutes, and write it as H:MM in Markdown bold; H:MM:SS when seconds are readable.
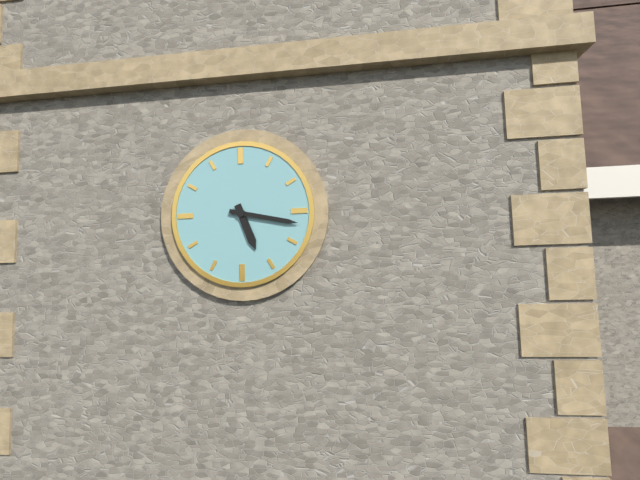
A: **5:17**
